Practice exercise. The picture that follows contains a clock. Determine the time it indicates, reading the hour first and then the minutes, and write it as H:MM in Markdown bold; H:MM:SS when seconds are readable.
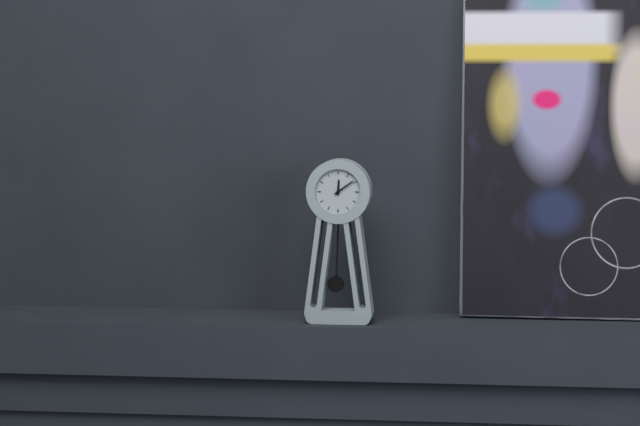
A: **12:09**
